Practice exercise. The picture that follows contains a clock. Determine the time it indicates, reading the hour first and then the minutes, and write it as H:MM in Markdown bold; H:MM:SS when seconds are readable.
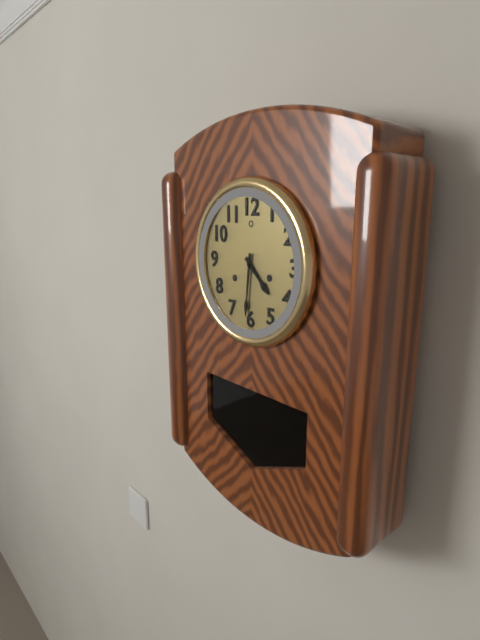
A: **4:31**
